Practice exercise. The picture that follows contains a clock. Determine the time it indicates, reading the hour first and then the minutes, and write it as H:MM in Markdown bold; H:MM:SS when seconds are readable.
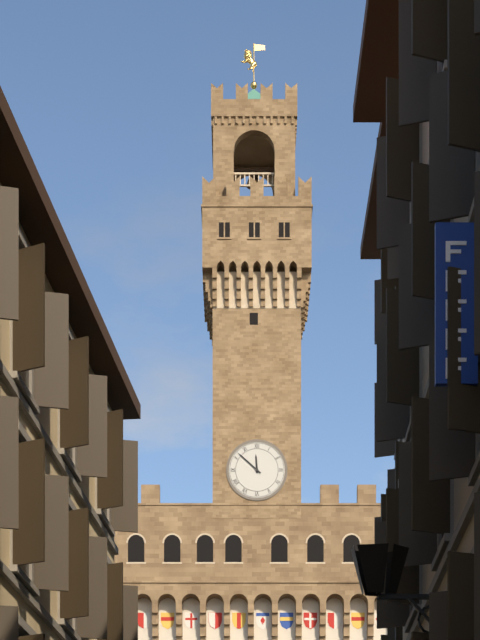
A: **11:52**
